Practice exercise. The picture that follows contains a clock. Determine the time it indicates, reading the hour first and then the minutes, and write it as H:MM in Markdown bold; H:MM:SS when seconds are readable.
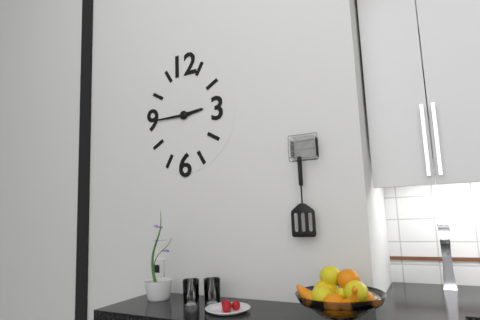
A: **2:45**
